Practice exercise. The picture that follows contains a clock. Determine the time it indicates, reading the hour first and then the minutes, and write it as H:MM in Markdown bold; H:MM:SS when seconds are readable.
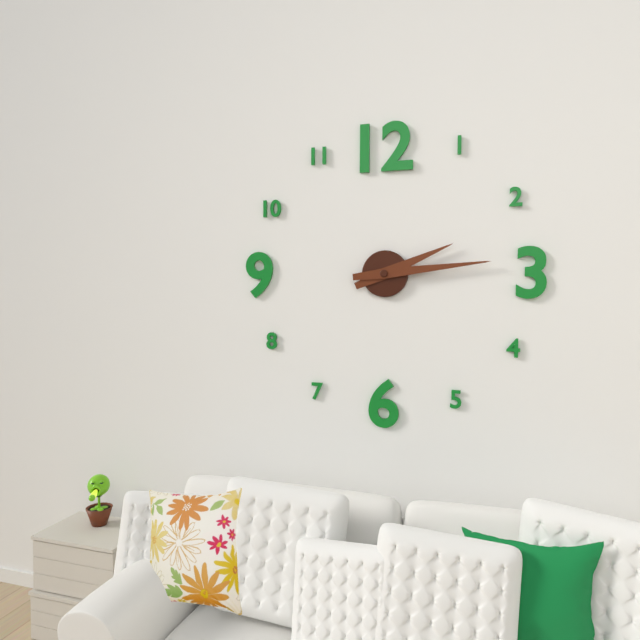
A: **2:14**
